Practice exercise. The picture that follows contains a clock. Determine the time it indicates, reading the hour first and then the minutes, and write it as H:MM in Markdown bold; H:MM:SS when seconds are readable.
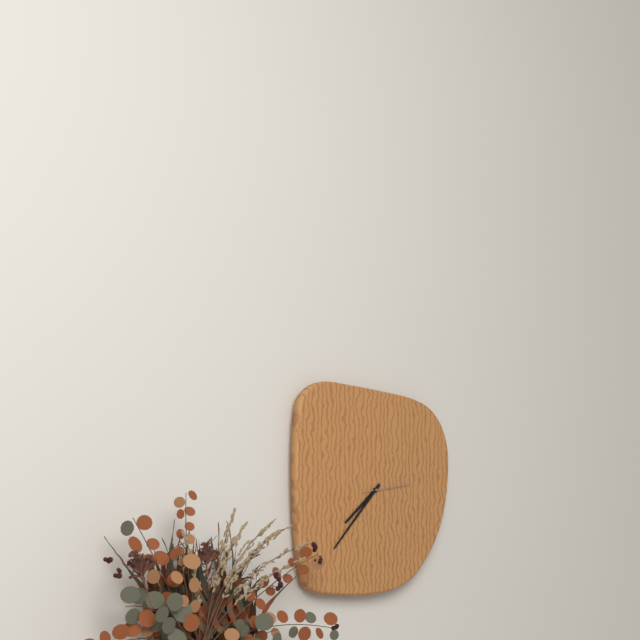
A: **7:37**
